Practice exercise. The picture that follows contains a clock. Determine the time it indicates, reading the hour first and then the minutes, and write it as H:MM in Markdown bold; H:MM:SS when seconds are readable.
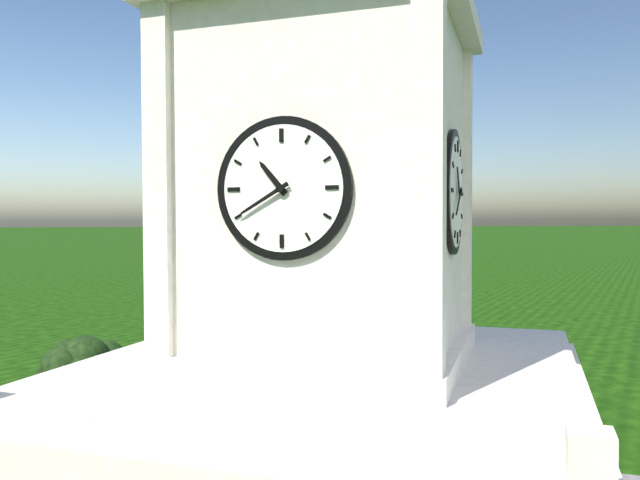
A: **10:40**
